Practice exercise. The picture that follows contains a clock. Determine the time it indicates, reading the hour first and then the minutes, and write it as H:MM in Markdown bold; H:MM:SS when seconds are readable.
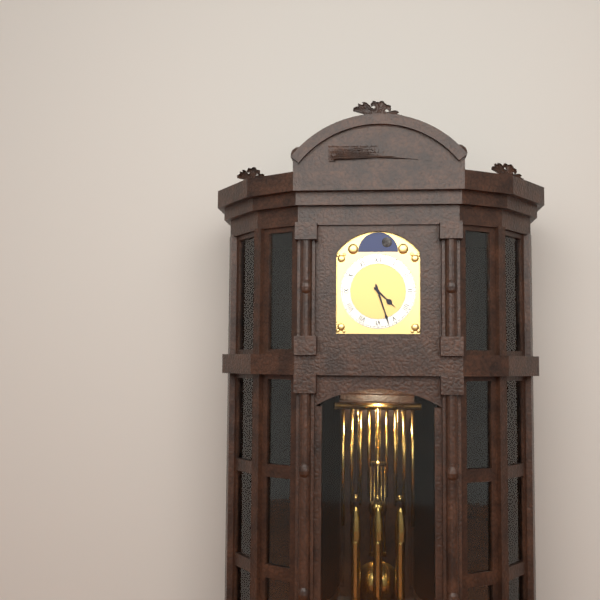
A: **4:27**
